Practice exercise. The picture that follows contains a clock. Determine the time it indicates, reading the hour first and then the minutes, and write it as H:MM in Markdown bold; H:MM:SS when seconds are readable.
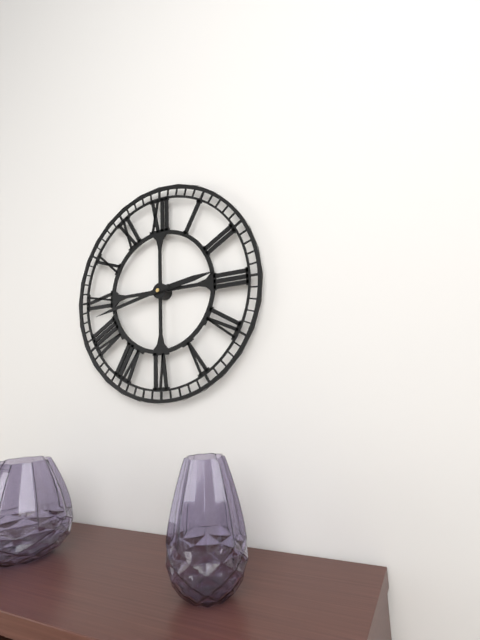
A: **2:43**
